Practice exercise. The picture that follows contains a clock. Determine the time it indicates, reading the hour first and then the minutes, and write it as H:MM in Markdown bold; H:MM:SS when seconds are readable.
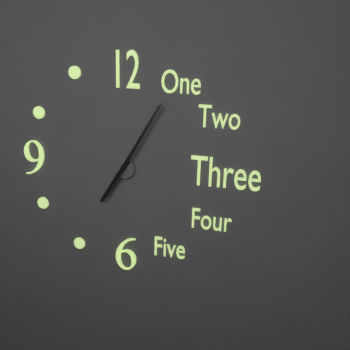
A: **7:05**
